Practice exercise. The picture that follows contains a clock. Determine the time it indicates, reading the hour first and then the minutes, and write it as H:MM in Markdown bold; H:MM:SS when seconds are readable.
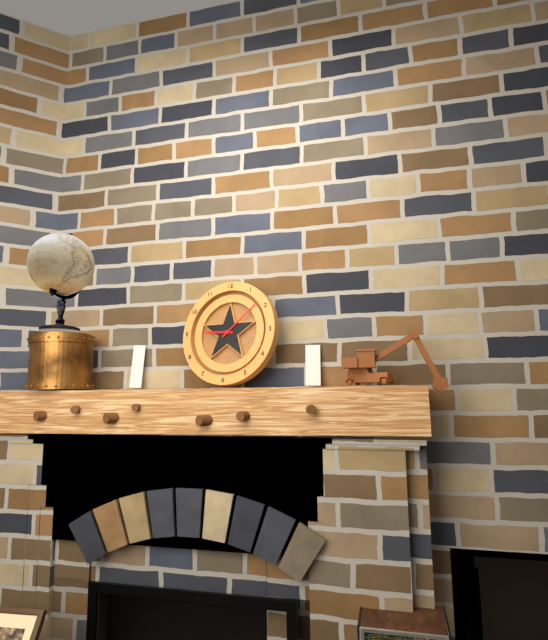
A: **9:08**
